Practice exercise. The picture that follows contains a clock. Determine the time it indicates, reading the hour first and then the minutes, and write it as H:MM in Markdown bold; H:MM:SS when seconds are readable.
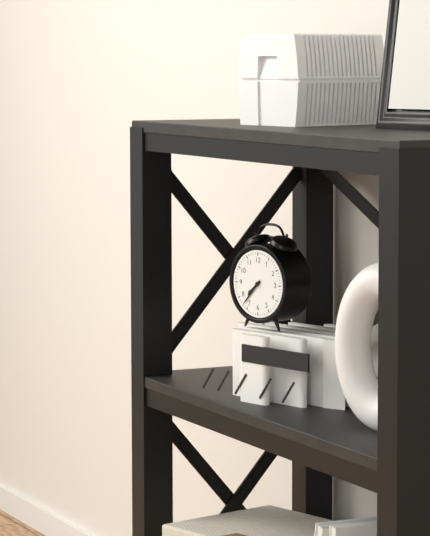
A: **7:37**
